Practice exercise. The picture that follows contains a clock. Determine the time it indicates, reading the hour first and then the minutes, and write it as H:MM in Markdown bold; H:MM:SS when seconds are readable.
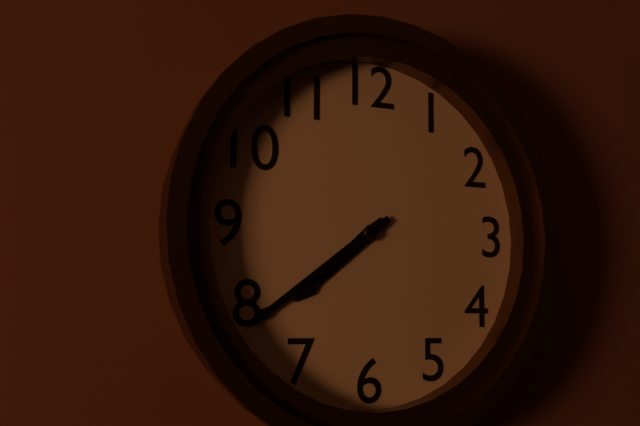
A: **7:39**
